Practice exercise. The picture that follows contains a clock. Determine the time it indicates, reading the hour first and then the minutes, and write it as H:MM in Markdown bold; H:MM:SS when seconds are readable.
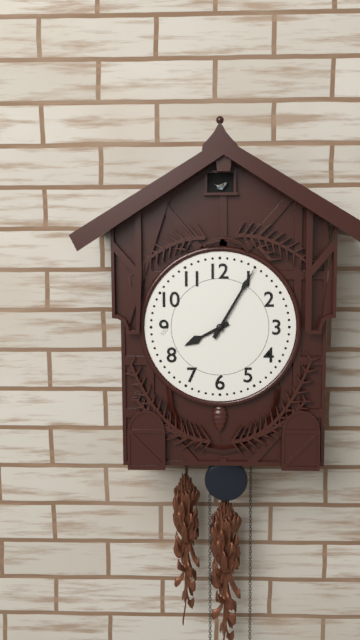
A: **8:05**
